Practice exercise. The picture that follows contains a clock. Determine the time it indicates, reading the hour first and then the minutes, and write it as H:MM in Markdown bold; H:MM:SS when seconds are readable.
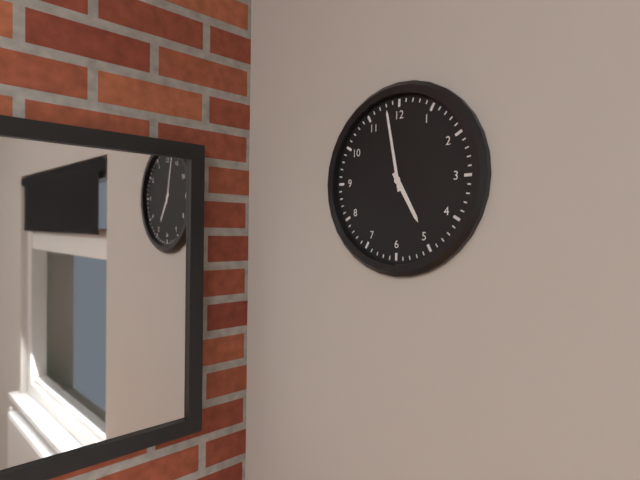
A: **4:58**
